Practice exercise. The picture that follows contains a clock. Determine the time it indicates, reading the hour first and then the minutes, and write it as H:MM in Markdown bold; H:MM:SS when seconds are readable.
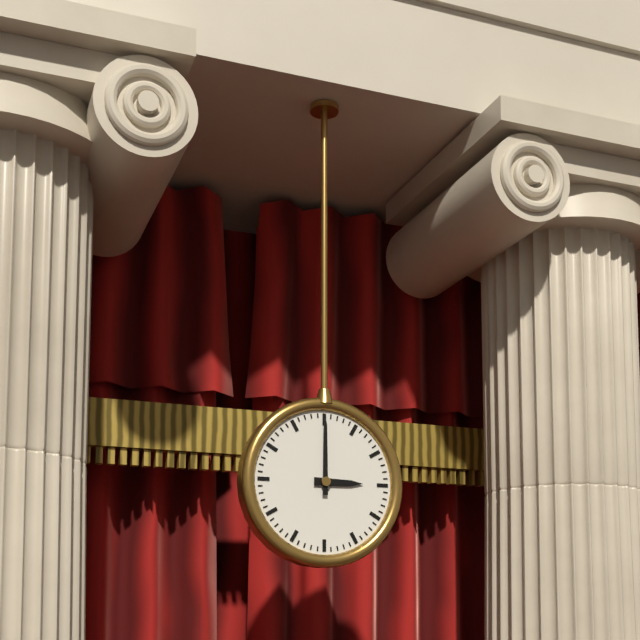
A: **3:00**
